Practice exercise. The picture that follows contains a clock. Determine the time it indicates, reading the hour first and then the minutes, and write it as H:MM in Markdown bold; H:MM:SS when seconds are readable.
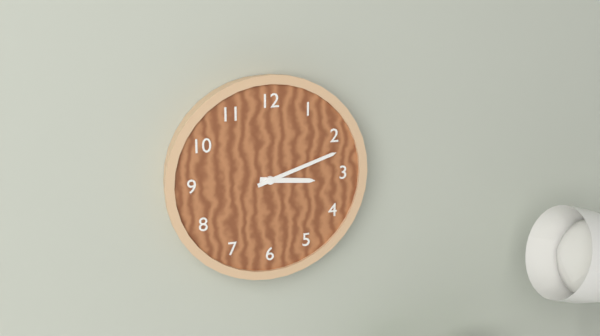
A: **3:12**
